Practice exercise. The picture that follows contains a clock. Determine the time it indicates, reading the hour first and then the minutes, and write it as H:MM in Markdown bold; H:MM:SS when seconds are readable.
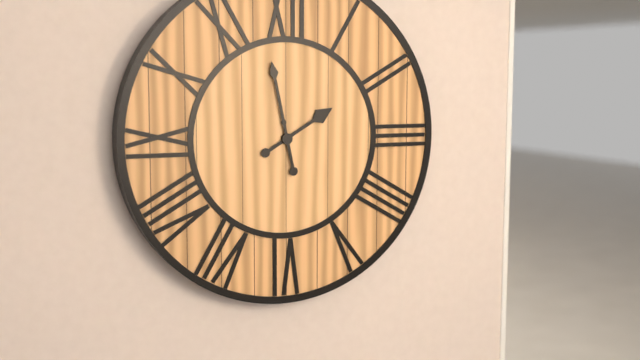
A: **1:58**
